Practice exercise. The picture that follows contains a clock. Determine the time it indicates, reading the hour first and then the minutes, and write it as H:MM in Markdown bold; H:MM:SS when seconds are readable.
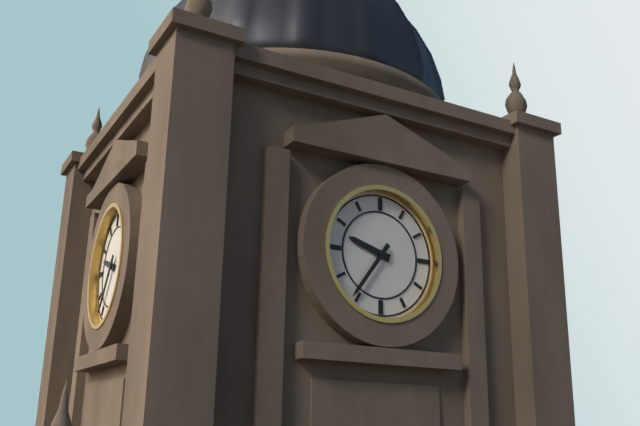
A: **9:36**
